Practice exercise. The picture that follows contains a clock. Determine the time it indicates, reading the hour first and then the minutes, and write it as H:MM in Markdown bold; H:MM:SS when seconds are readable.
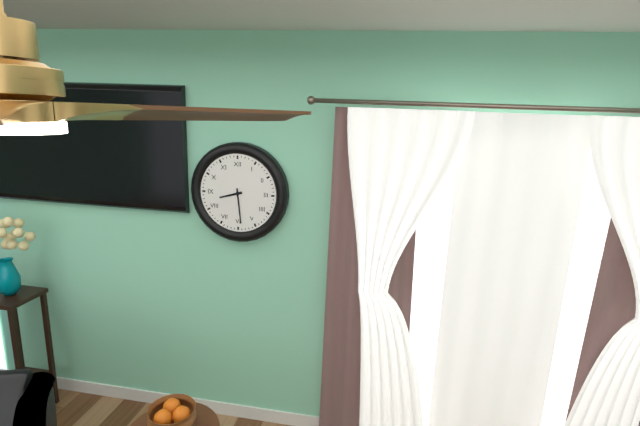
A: **8:29**
